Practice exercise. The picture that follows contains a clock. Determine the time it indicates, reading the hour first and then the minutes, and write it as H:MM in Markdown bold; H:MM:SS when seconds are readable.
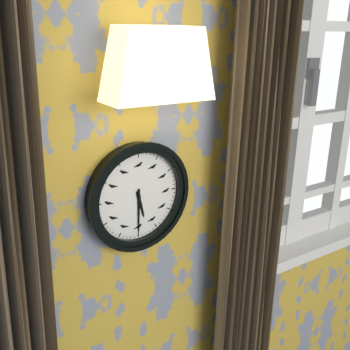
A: **5:30**
